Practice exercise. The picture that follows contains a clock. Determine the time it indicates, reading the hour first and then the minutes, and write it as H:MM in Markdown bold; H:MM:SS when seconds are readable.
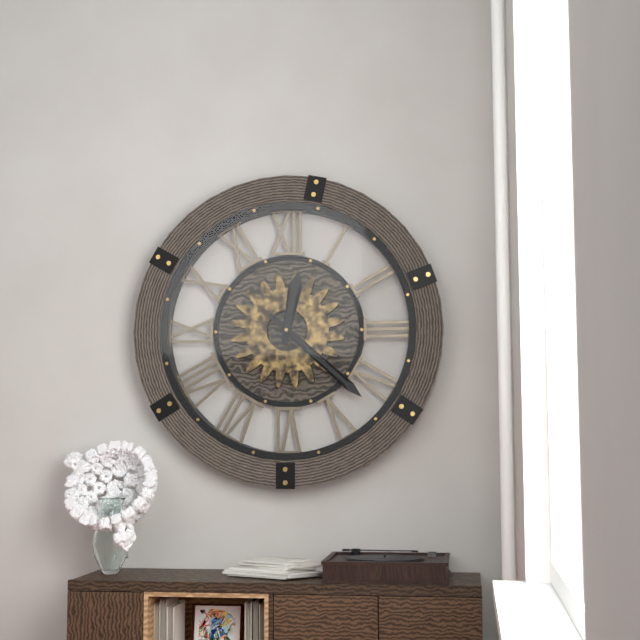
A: **12:22**
